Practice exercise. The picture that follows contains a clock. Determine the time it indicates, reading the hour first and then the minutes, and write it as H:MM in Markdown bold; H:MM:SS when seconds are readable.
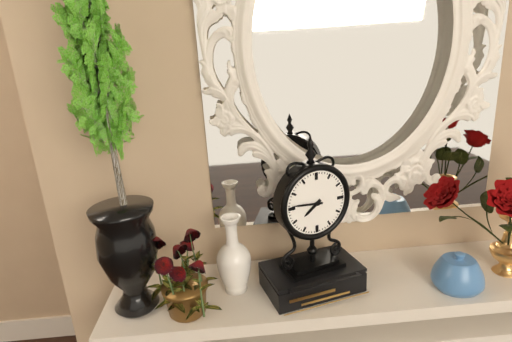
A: **7:46**
